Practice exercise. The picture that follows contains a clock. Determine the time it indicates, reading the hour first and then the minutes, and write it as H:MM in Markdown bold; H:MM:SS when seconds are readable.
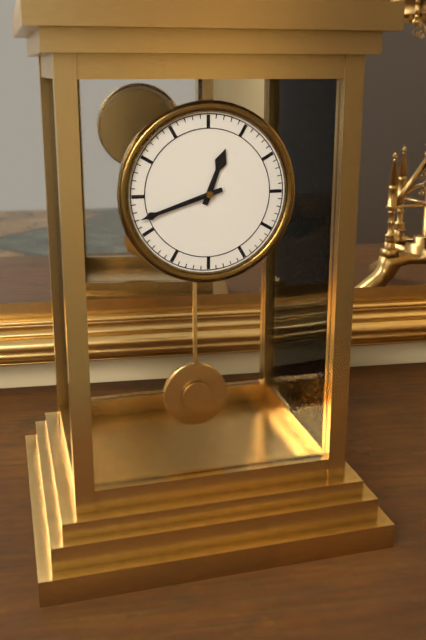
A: **12:42**
